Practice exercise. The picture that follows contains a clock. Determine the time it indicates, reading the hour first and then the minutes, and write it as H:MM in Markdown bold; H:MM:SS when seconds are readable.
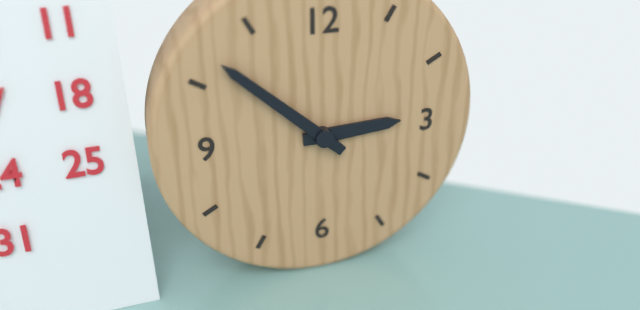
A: **2:52**
